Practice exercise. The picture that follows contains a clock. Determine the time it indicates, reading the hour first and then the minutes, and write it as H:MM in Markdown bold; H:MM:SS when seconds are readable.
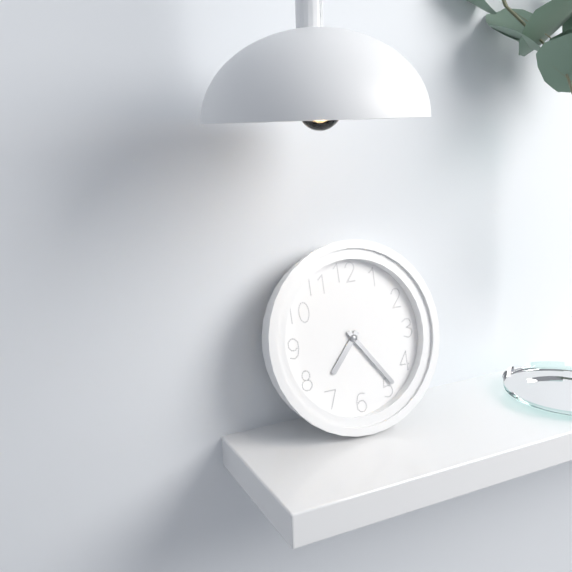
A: **7:24**
